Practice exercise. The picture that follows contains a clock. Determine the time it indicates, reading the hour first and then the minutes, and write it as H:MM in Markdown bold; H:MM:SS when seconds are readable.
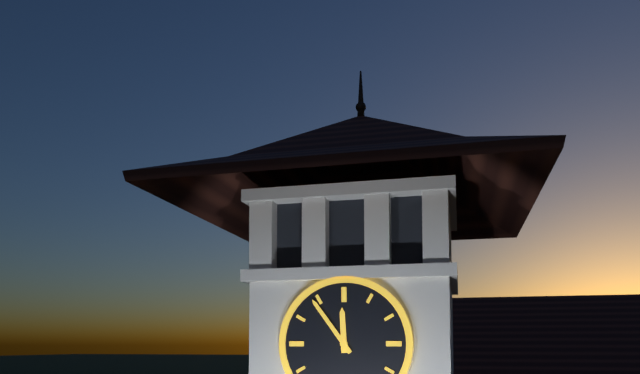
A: **11:54**
